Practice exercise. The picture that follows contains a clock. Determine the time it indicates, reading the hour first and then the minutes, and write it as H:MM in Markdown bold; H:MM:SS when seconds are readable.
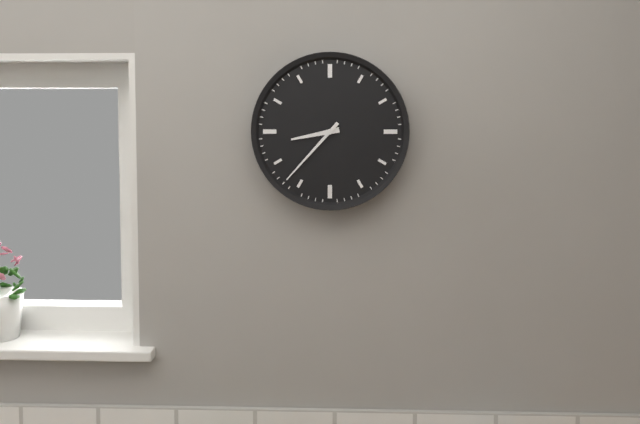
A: **8:37**
